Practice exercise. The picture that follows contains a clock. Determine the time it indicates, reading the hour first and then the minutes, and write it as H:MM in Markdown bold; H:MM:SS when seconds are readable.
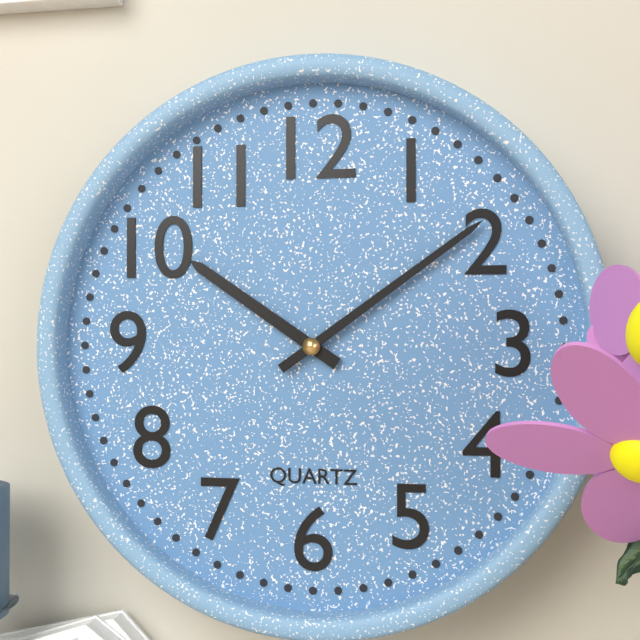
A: **10:09**
